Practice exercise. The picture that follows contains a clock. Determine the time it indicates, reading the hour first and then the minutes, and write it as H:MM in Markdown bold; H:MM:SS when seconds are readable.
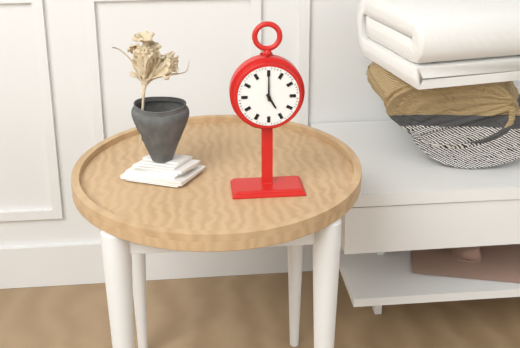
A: **5:00**
